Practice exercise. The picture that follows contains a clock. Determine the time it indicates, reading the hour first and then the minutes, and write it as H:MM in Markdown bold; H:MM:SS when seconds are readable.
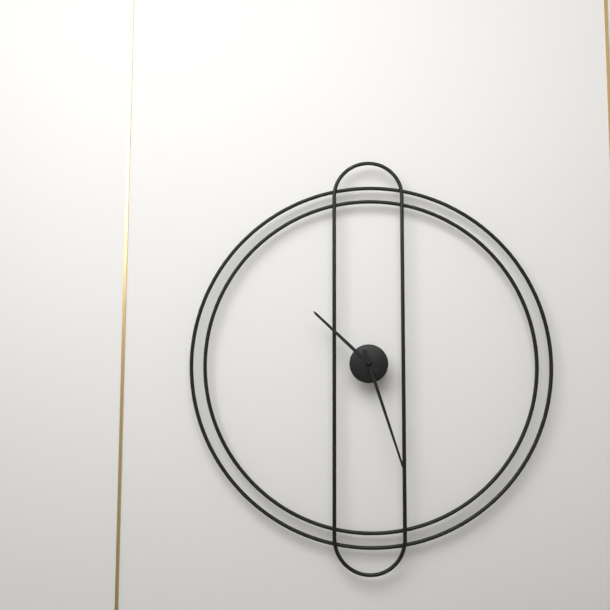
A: **10:27**
